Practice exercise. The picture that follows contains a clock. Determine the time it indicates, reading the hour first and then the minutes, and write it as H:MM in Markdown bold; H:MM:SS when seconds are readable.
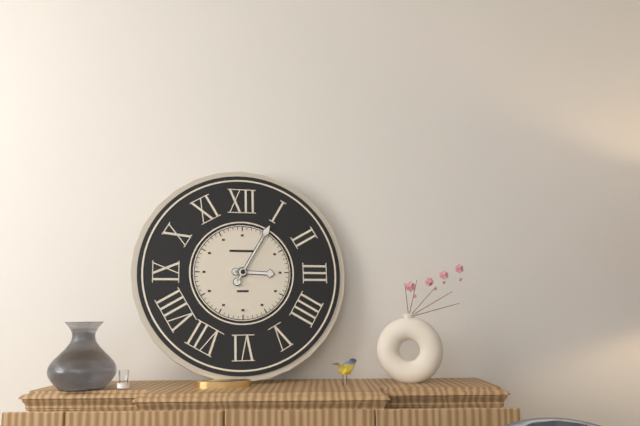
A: **3:05**
